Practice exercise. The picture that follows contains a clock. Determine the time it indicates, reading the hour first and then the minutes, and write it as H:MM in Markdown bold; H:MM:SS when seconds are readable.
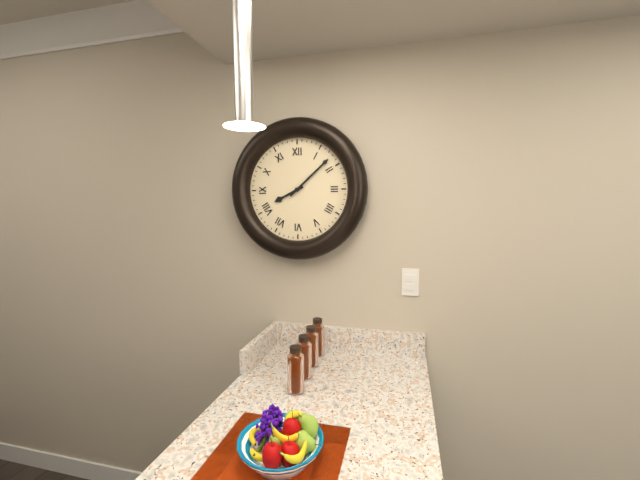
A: **8:08**
